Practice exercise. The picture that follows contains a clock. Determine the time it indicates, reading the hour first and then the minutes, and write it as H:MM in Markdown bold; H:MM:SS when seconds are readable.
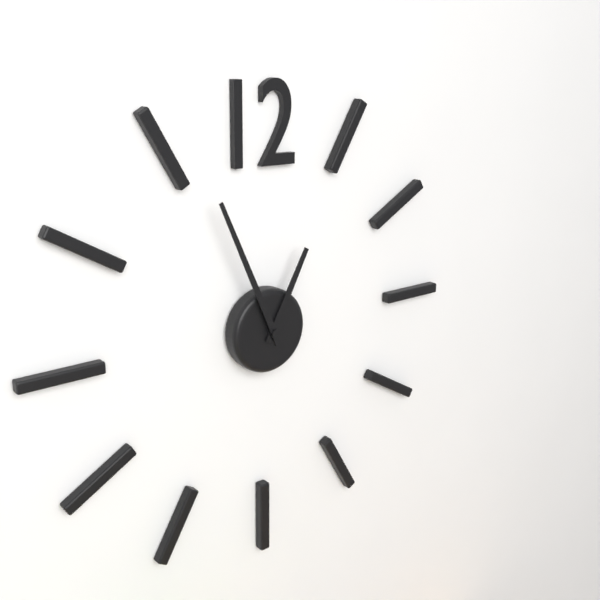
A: **12:56**
